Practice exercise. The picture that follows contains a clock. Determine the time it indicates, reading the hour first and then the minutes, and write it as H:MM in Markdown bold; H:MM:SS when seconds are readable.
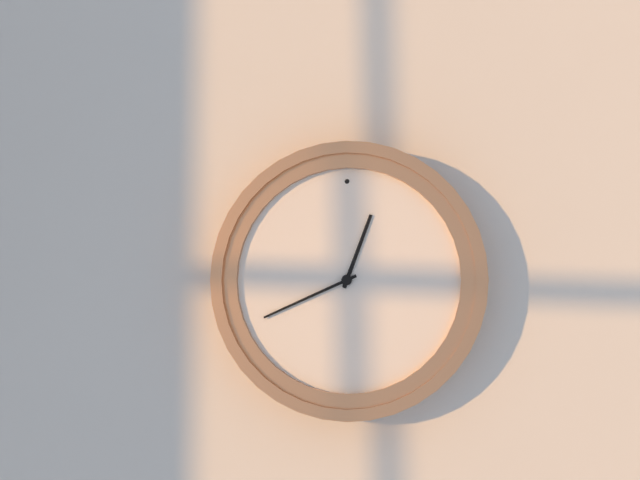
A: **12:41**
